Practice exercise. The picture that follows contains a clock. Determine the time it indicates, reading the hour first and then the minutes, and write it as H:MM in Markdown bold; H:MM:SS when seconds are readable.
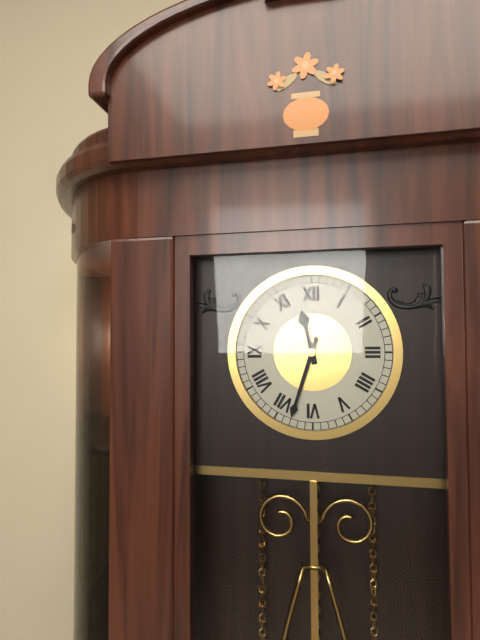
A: **11:33**
